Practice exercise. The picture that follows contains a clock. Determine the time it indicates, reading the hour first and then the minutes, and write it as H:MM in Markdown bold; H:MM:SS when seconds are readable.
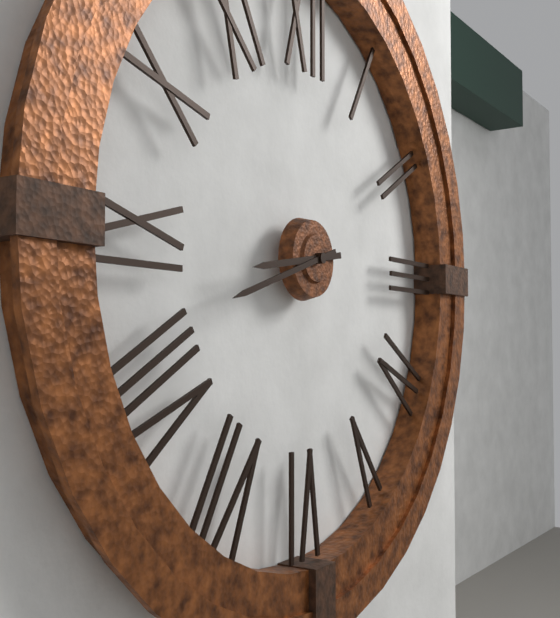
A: **8:42**
